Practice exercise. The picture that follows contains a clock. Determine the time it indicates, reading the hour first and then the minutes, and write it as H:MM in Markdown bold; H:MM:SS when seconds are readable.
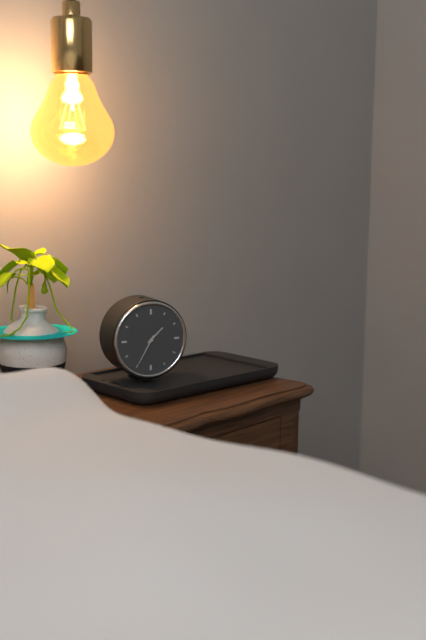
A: **1:35**
